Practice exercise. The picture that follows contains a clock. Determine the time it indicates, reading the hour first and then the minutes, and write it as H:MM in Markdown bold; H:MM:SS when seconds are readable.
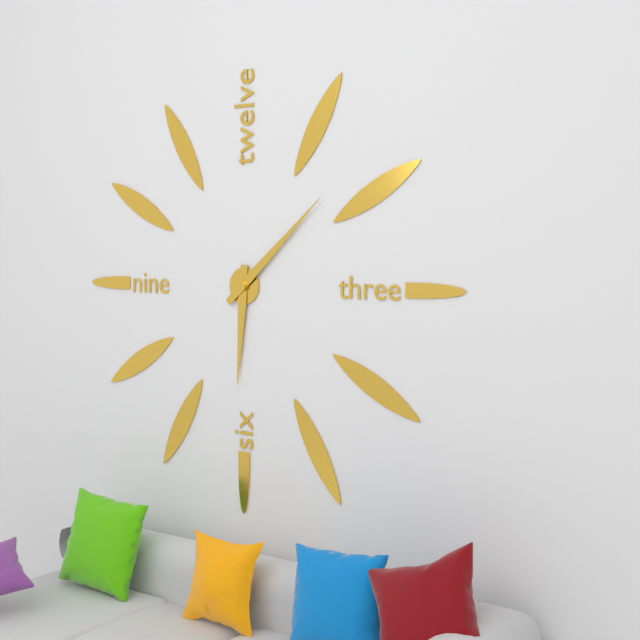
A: **6:08**
